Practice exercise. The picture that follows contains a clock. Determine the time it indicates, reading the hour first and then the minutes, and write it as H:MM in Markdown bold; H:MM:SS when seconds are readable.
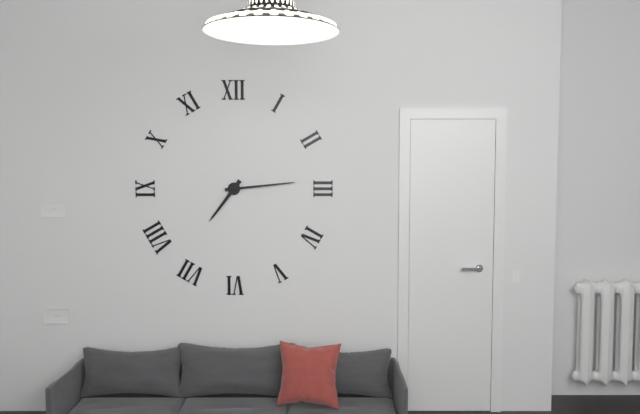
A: **7:14**
